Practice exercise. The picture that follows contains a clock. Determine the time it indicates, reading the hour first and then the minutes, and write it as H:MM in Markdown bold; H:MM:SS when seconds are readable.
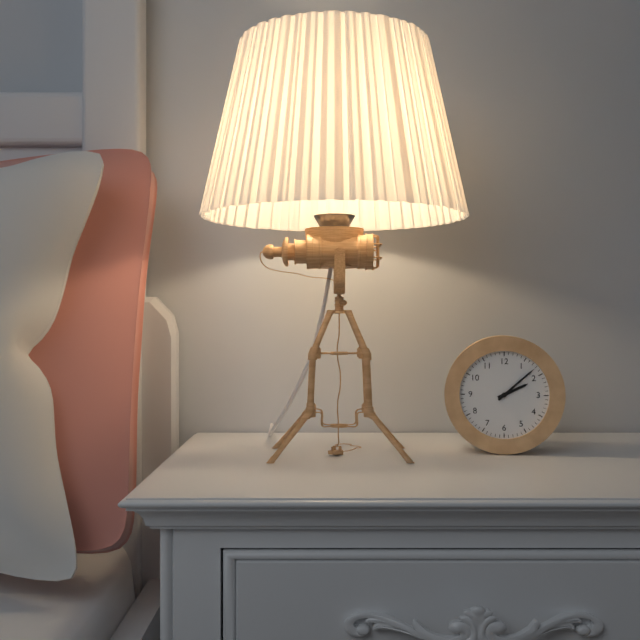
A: **2:08**
